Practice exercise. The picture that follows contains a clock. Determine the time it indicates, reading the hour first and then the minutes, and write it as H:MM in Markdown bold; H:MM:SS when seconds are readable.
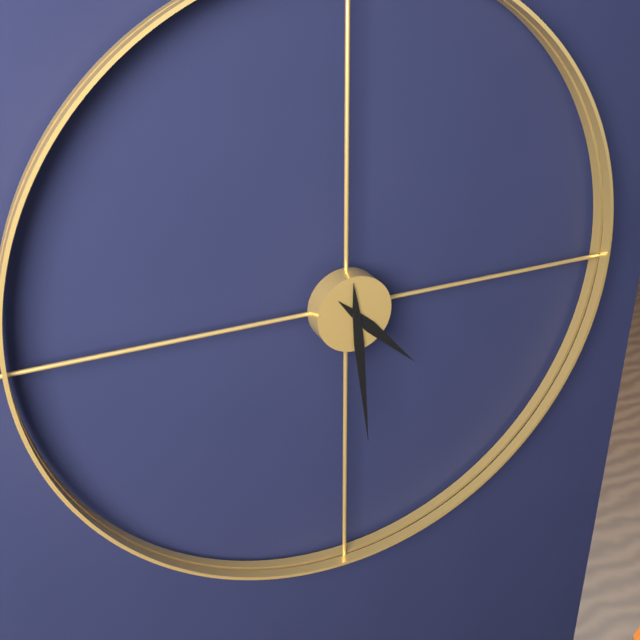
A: **4:29**
